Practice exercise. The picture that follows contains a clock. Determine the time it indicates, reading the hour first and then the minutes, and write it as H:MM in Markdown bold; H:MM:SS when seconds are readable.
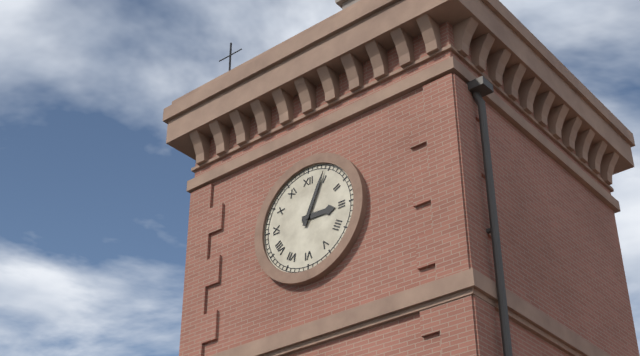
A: **3:04**
